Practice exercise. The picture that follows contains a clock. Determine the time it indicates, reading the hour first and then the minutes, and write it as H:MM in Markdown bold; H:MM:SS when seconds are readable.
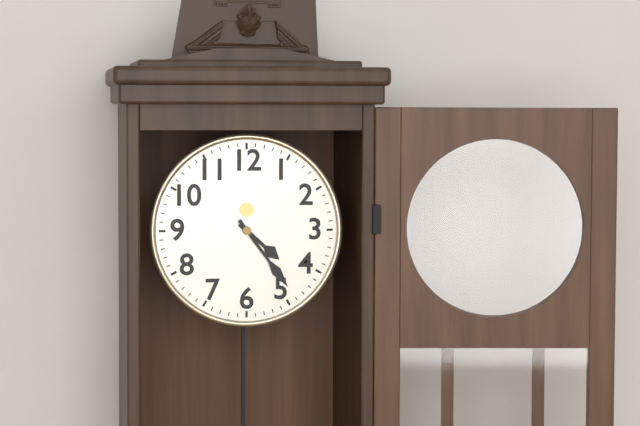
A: **4:24**
